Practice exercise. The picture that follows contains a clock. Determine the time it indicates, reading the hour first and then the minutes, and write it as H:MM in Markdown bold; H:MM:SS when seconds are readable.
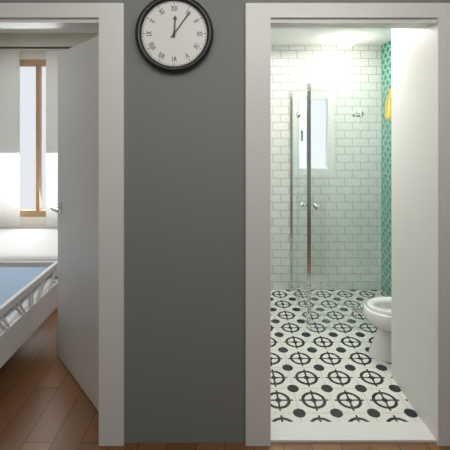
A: **12:06**
